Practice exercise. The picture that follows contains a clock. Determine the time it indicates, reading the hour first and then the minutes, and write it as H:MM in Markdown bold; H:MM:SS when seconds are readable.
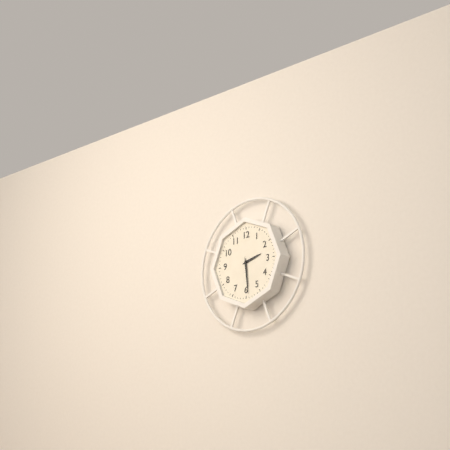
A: **2:29**
